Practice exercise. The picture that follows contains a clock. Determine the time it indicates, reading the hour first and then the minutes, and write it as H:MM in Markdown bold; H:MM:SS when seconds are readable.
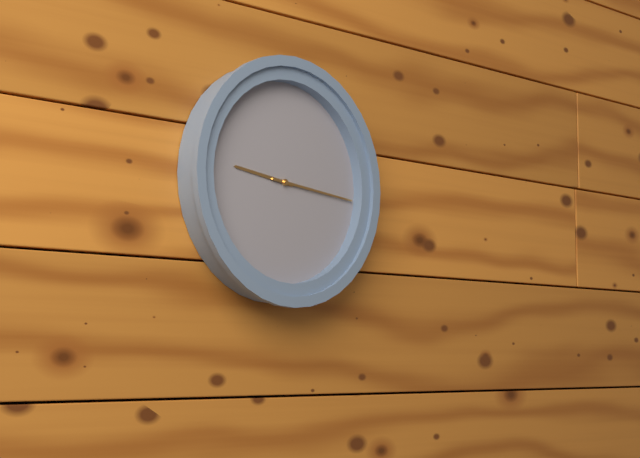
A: **9:16**
